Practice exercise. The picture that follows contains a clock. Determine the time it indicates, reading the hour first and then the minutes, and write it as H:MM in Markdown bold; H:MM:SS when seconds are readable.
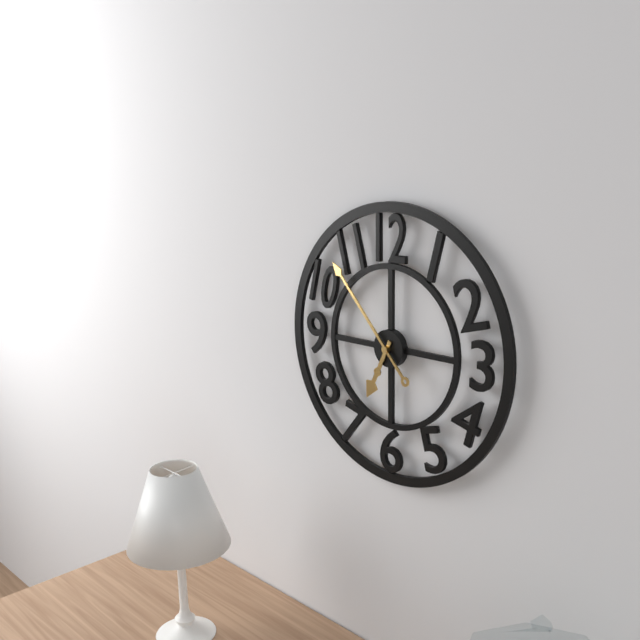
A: **6:53**
